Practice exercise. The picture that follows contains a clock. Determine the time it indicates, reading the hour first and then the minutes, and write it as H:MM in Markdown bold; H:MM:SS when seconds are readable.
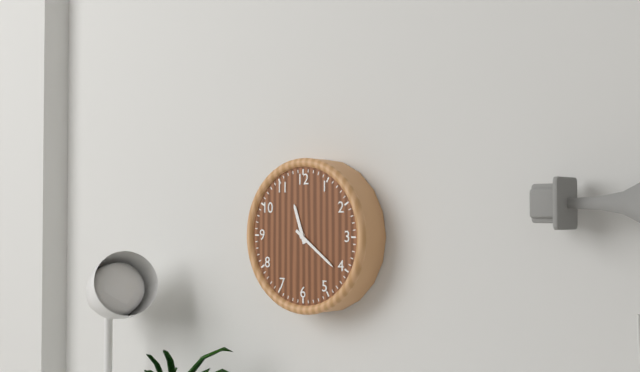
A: **11:21**
